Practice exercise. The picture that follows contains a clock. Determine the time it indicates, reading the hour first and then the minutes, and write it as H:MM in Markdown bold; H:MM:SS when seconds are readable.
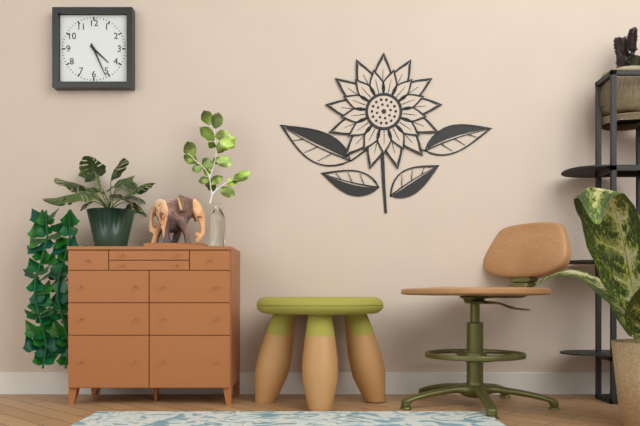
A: **4:26**
